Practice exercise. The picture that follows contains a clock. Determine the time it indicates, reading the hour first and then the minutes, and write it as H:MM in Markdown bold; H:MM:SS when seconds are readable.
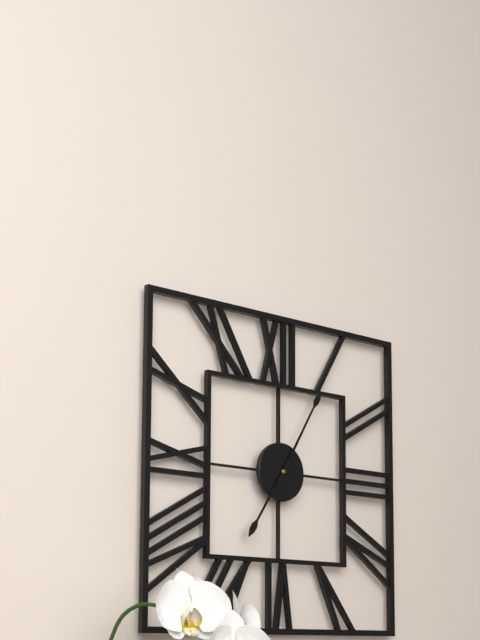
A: **7:05**
